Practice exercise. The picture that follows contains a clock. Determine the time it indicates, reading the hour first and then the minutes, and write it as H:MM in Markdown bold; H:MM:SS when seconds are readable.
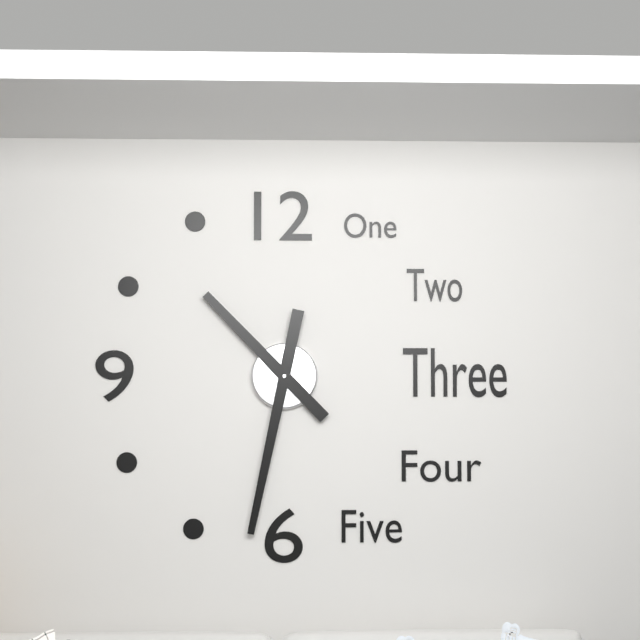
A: **10:32**
